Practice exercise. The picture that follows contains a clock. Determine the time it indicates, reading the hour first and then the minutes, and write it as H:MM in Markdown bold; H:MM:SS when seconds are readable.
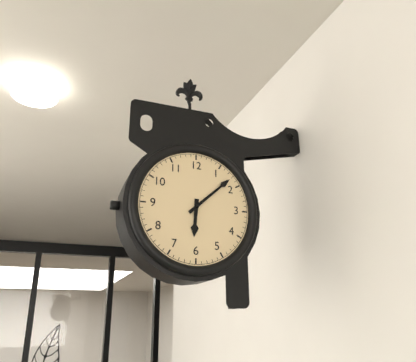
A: **6:08**
